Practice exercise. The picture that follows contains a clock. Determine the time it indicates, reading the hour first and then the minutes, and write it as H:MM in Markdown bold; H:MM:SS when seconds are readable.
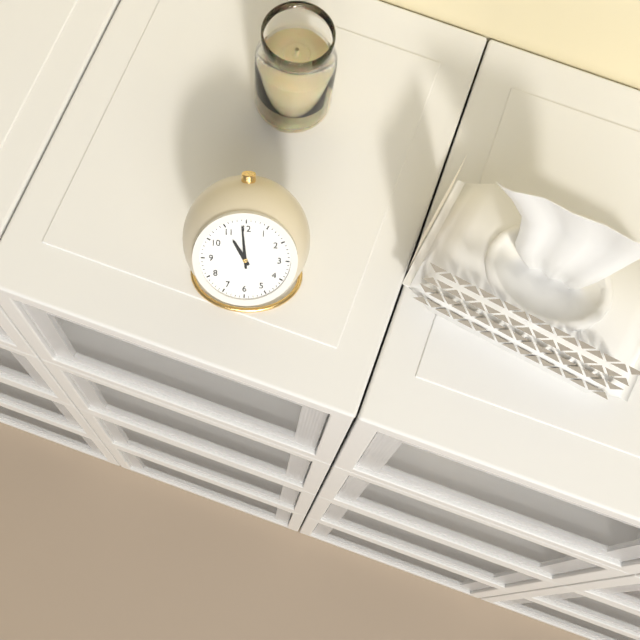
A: **10:59**
